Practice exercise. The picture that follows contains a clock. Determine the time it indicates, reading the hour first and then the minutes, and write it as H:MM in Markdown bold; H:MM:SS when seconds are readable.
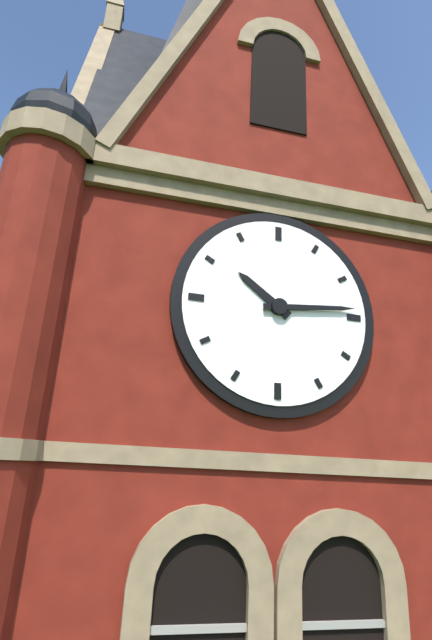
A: **10:14**
